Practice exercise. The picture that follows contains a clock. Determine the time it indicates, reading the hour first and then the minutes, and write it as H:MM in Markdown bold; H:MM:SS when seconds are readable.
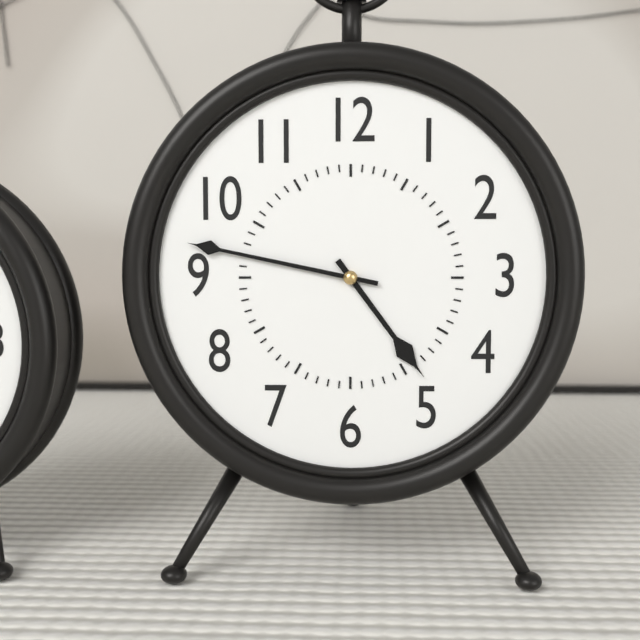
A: **4:47**
